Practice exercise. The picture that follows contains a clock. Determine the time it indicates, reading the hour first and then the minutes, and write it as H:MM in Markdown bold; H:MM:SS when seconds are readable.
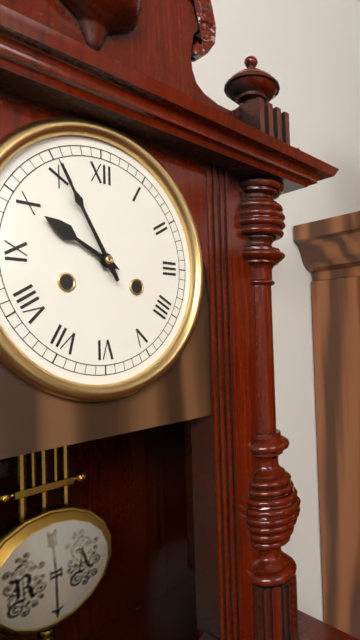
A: **9:55**
